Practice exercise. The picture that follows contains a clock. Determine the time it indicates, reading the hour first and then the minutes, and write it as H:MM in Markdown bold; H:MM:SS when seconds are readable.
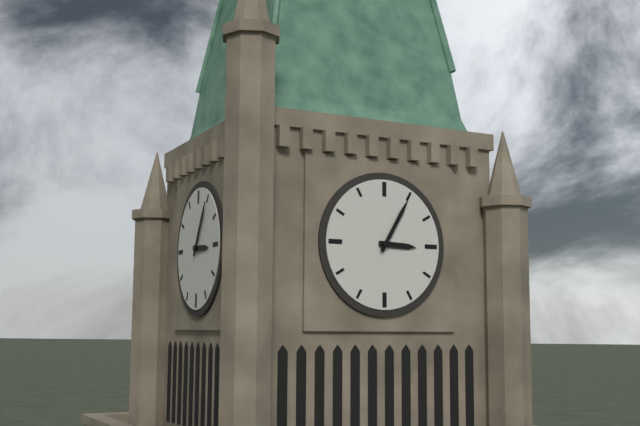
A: **3:05**
